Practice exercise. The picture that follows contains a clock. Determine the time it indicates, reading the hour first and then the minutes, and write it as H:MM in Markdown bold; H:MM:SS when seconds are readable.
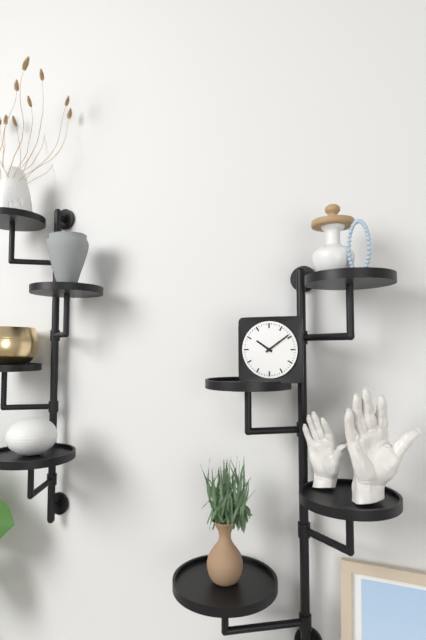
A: **10:09**
